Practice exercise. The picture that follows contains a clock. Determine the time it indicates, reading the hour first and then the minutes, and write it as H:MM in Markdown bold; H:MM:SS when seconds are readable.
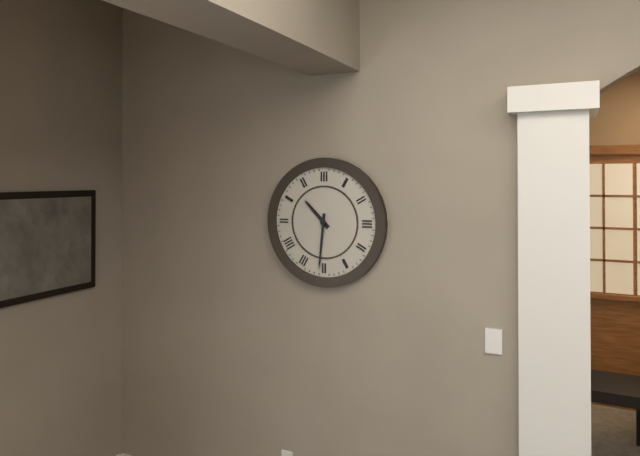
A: **10:31**
